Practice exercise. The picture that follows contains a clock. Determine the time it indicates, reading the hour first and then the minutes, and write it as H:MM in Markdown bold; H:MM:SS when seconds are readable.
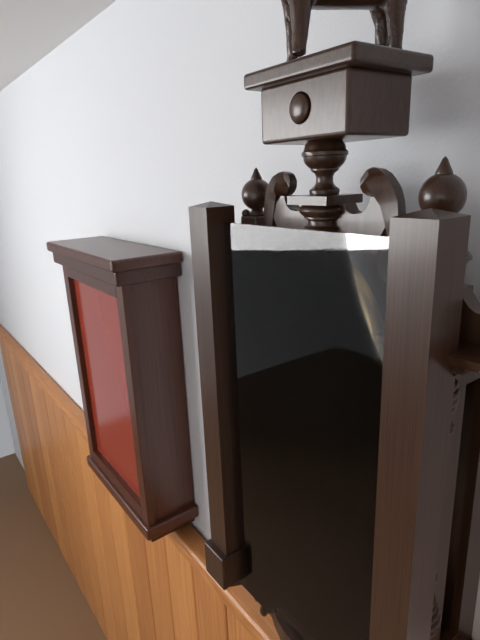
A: **5:48**
